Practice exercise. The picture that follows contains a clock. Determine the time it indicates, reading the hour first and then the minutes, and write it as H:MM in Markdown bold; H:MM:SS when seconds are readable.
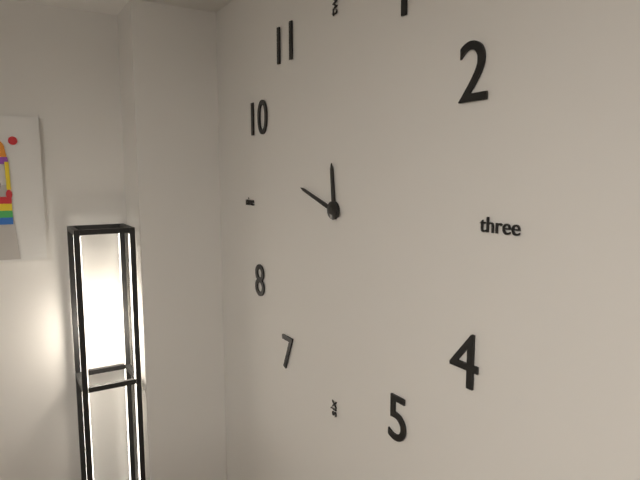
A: **11:48**
